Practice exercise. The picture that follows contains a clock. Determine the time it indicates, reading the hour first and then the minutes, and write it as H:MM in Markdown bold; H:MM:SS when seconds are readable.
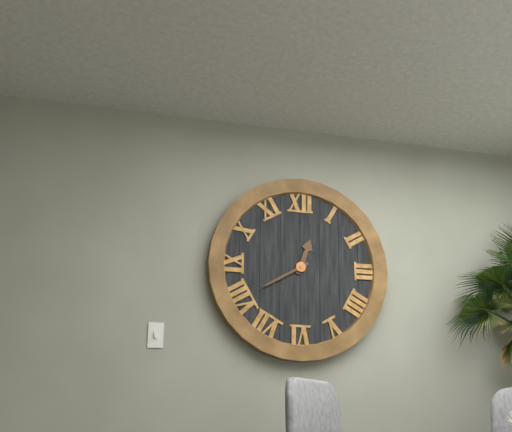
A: **12:40**
